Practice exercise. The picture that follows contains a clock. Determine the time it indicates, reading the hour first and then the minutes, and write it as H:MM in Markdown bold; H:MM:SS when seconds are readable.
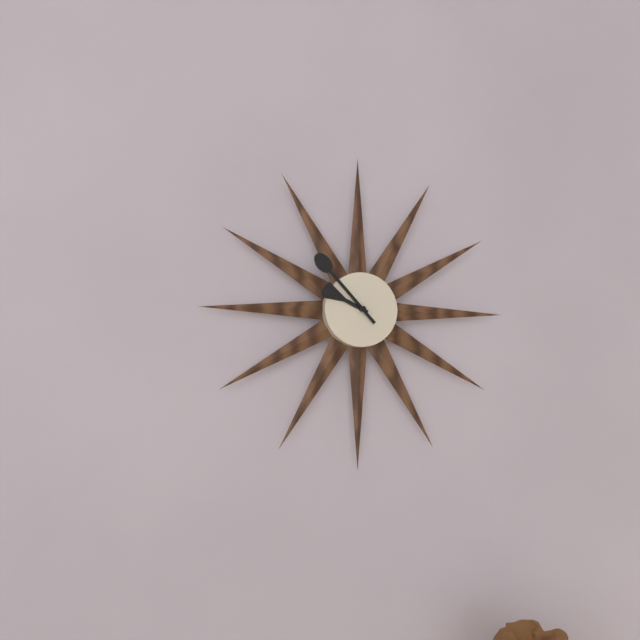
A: **9:53**
